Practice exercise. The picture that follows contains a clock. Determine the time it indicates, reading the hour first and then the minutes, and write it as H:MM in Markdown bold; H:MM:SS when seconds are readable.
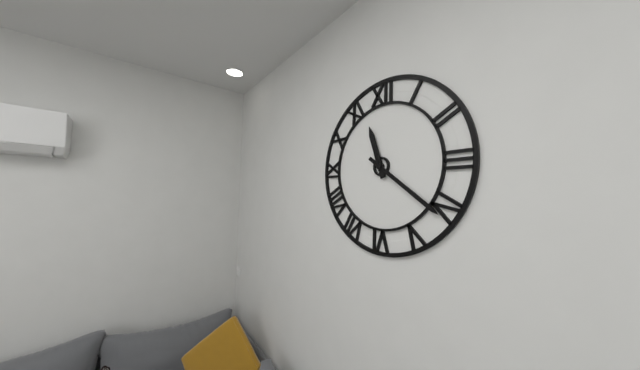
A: **11:21**
